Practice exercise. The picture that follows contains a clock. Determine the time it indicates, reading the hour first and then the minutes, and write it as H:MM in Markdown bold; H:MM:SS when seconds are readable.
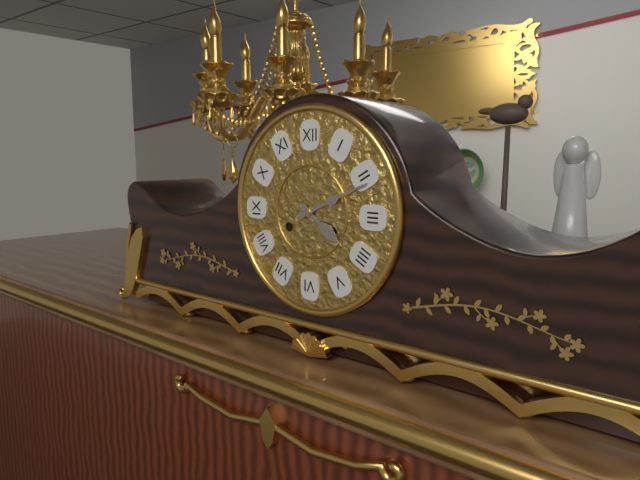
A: **4:11**
